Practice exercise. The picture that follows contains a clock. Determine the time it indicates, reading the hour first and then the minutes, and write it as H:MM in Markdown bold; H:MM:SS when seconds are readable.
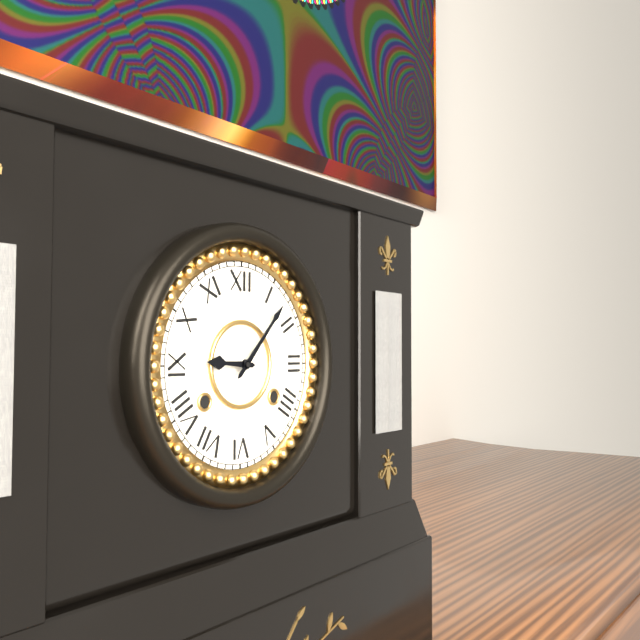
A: **9:07**
